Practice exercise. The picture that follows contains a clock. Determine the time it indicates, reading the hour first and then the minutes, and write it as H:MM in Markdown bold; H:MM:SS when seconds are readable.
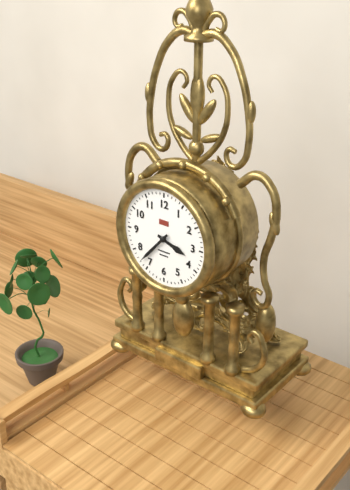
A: **3:37**
